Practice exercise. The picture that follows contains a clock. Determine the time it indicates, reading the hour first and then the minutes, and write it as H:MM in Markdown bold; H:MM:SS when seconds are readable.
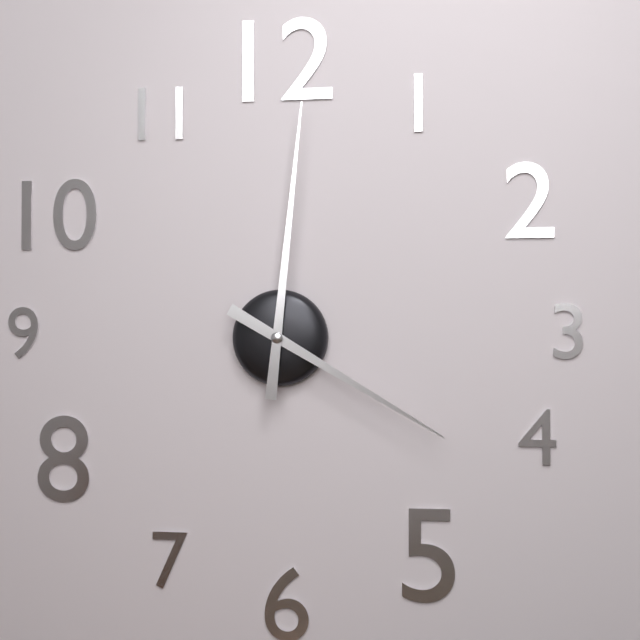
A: **4:01**
